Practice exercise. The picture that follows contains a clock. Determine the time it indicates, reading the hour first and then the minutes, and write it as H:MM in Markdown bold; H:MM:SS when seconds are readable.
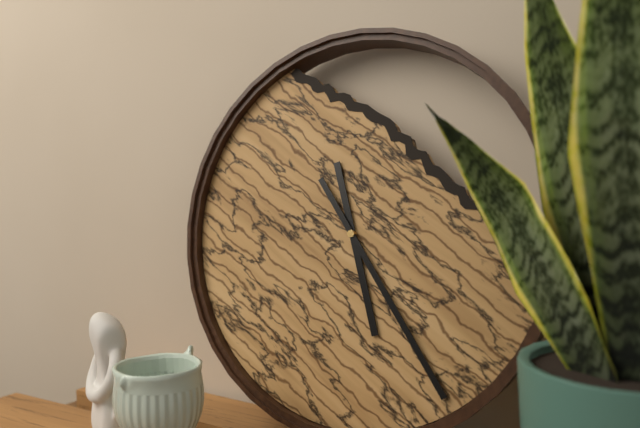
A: **5:24**
